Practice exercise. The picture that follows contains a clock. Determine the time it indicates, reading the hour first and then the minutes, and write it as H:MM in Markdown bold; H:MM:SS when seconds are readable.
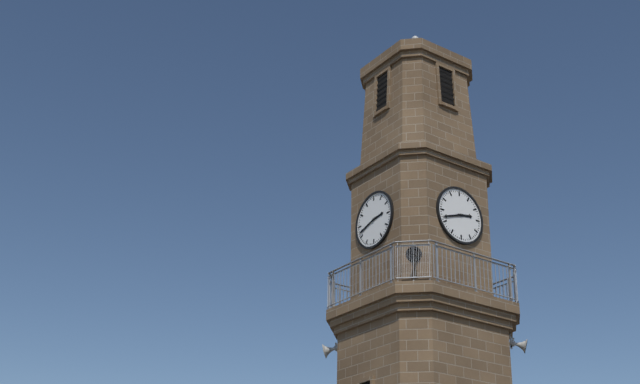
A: **2:42**
